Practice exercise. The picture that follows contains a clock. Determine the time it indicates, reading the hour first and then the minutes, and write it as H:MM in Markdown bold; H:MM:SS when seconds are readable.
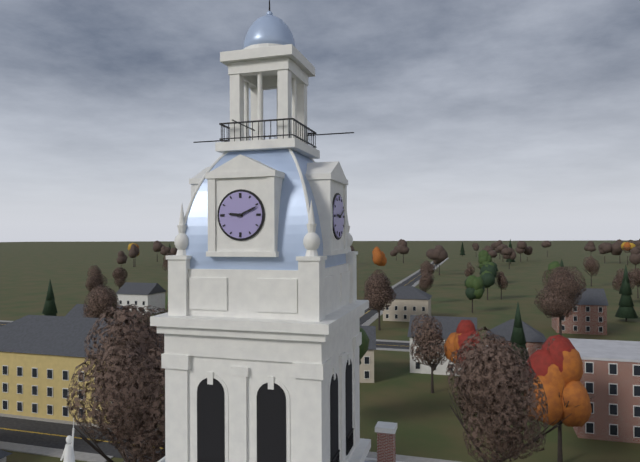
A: **9:11**
